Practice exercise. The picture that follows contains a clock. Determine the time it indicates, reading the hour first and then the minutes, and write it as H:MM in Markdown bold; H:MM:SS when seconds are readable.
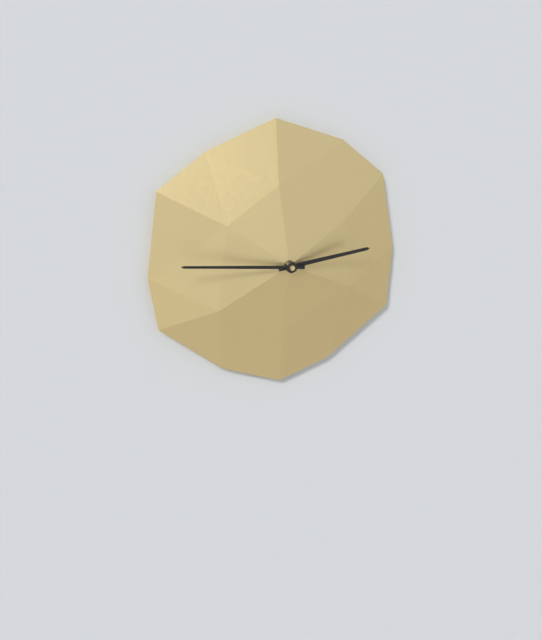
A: **2:46**
